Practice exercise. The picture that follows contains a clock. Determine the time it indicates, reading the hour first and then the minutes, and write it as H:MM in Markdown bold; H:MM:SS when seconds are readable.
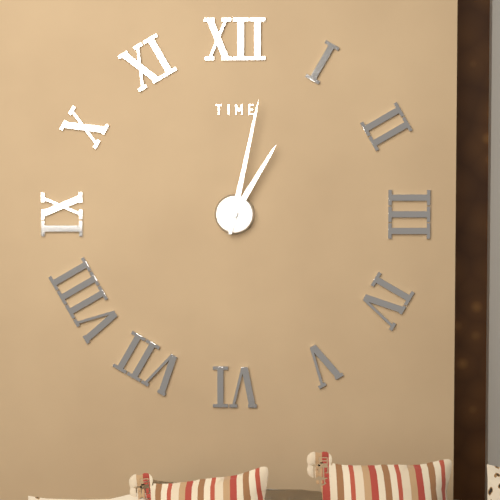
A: **1:02**
